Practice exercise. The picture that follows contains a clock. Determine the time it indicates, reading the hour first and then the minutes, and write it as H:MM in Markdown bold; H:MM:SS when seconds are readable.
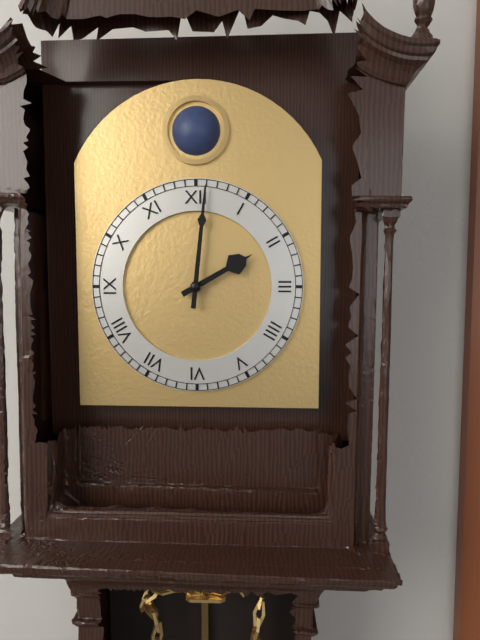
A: **2:01**
